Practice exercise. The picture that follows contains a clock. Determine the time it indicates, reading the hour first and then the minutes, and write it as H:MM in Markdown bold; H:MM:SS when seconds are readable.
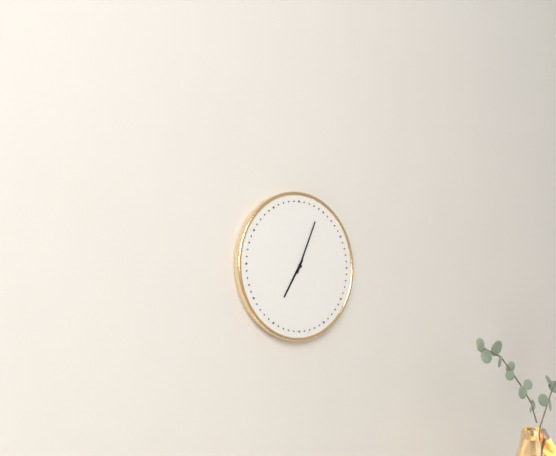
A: **7:04**
